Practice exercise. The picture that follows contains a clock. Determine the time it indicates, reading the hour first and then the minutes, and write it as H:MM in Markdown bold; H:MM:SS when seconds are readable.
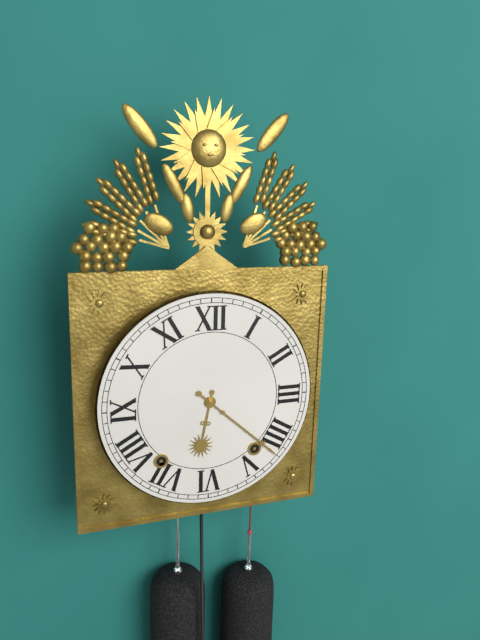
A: **6:22**
